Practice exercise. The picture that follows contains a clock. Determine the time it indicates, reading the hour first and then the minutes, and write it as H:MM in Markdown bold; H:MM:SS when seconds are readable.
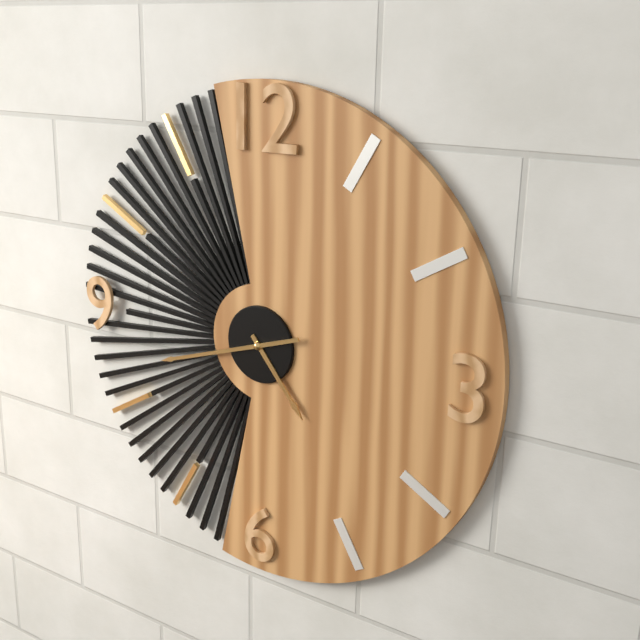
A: **4:42**
